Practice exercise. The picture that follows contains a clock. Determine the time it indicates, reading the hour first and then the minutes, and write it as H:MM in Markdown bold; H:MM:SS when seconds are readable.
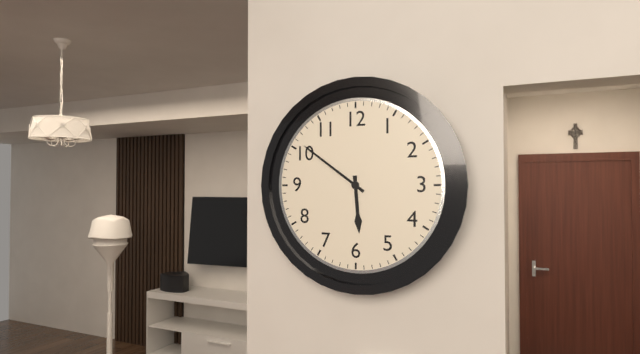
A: **5:51**
